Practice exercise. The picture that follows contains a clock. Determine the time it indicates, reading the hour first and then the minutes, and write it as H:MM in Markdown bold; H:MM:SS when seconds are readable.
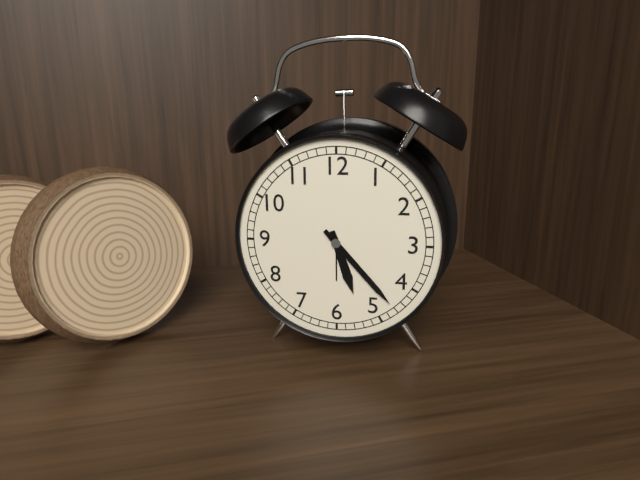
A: **5:23**
